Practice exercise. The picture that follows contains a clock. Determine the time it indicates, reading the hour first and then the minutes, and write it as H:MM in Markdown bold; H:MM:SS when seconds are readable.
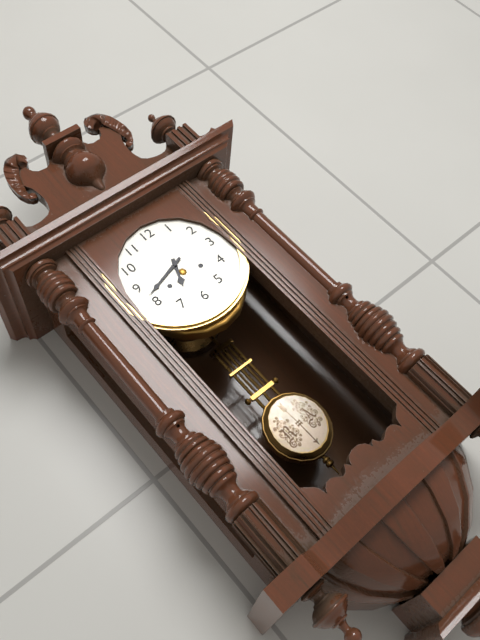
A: **6:42**
